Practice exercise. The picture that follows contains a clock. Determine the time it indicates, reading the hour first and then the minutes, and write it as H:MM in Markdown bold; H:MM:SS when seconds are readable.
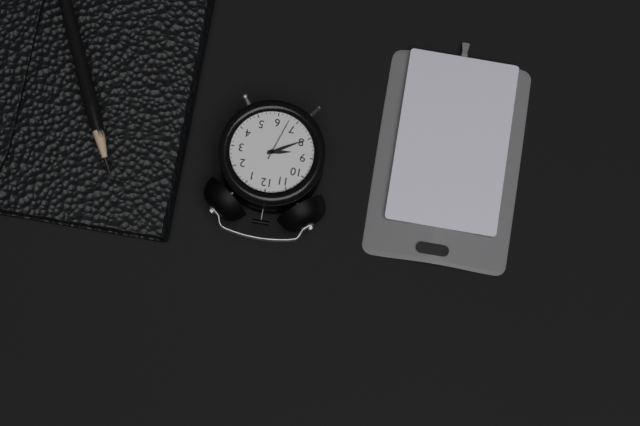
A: **8:40**
